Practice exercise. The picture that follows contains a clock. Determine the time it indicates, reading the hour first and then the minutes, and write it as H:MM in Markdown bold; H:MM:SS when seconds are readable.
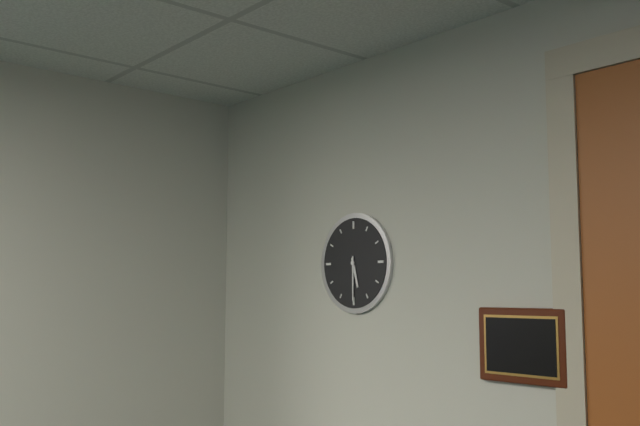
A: **5:30**
